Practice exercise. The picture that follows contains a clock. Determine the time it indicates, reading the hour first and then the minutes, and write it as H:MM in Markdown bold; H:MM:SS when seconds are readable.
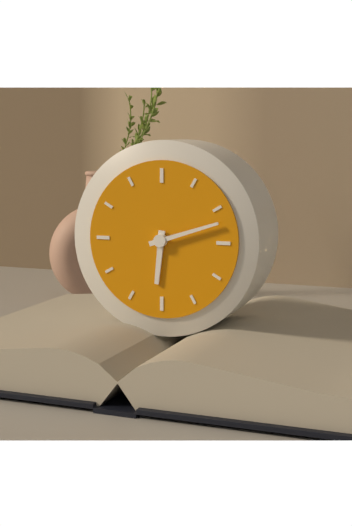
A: **6:12**
